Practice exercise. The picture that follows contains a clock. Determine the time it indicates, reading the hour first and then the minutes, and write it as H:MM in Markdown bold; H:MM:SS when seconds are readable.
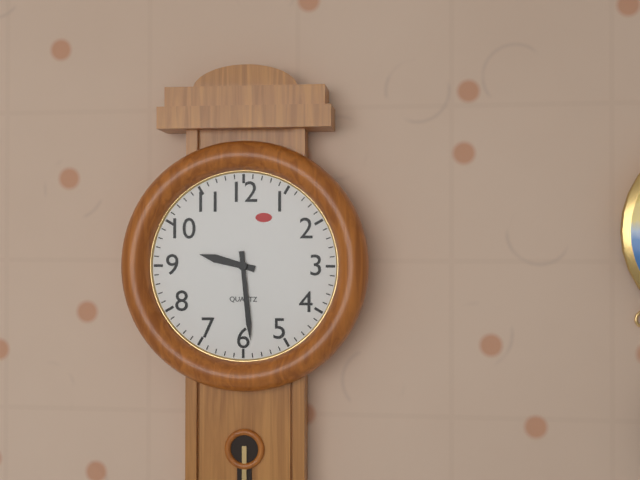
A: **9:29**
